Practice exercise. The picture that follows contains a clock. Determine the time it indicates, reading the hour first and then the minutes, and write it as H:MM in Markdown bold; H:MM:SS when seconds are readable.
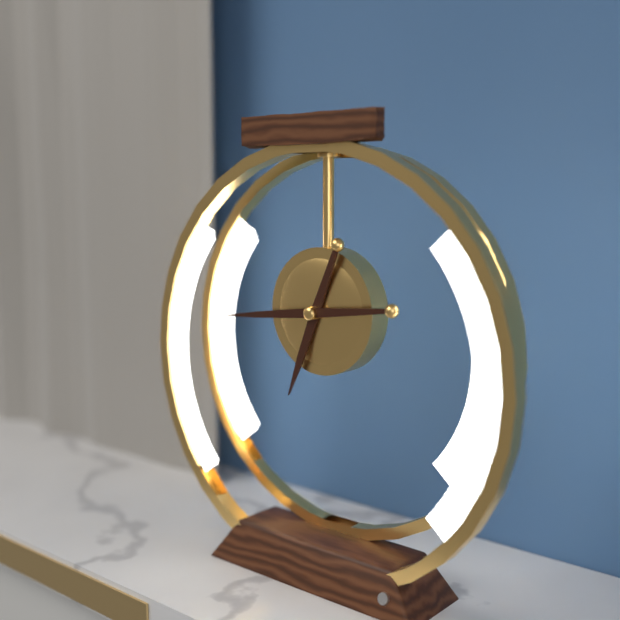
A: **6:44**
